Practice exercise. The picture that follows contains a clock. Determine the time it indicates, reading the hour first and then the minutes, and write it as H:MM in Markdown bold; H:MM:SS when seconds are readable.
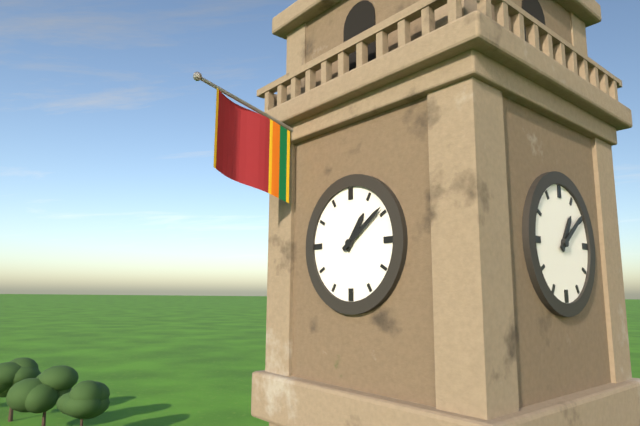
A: **1:09**
